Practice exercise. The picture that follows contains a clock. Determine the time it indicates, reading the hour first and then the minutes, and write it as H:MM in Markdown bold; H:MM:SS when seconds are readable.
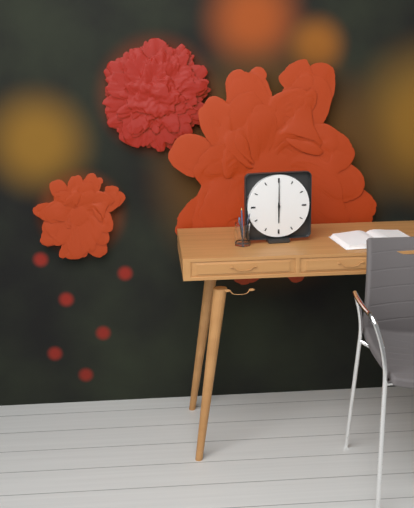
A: **6:00**
